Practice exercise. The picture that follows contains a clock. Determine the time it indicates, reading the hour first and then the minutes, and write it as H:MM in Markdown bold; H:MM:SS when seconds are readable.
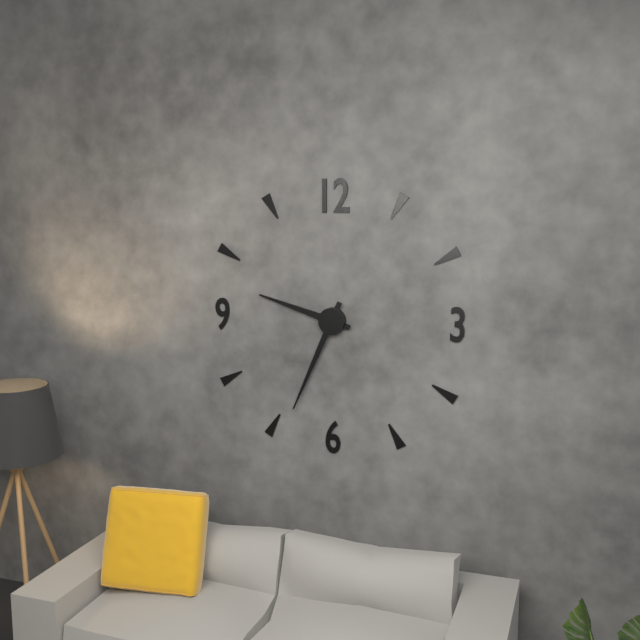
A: **9:34**
